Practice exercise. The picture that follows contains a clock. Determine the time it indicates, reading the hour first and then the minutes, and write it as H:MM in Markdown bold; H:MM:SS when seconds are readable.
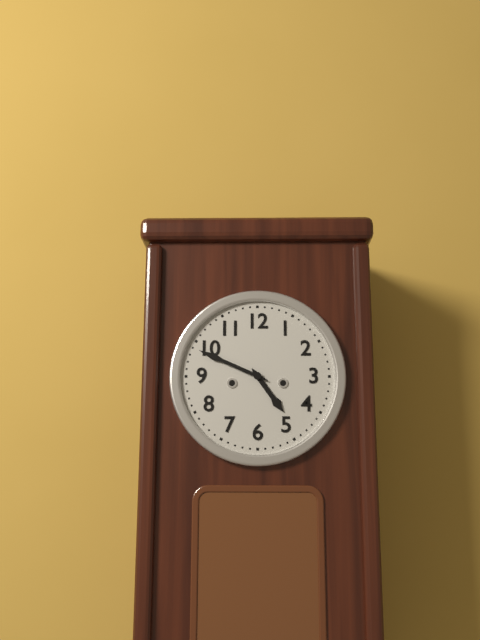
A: **4:49**
